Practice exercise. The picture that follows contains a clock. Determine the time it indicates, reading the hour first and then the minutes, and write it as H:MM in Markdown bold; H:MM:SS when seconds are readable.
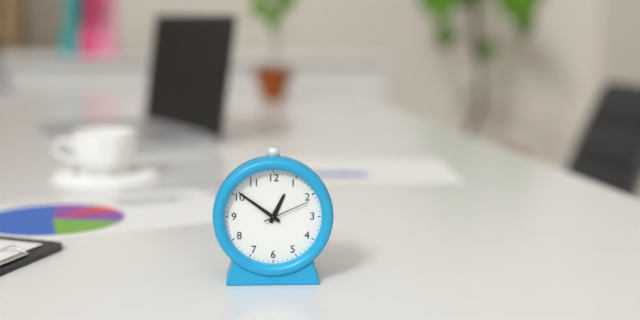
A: **12:51**
